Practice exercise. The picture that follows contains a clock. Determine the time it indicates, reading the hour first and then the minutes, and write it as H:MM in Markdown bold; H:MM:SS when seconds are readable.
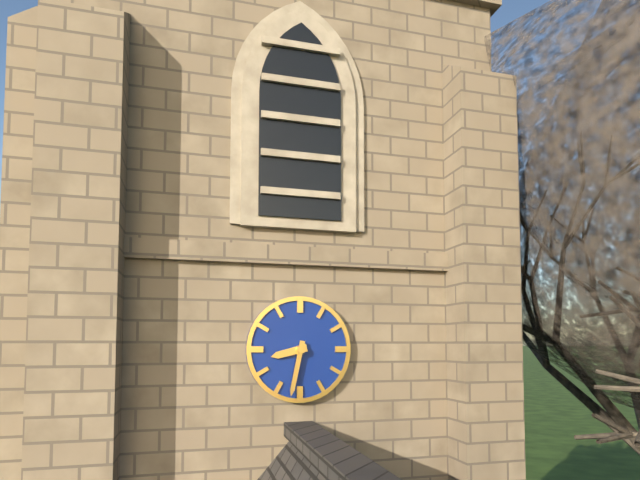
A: **8:32**
